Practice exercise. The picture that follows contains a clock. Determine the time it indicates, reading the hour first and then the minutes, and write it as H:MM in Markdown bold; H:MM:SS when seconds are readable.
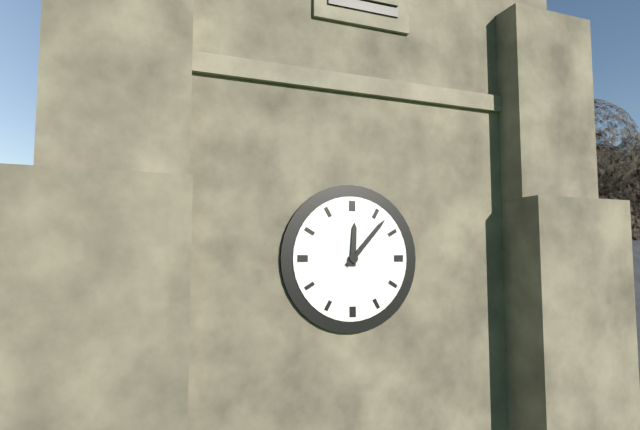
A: **12:07**
